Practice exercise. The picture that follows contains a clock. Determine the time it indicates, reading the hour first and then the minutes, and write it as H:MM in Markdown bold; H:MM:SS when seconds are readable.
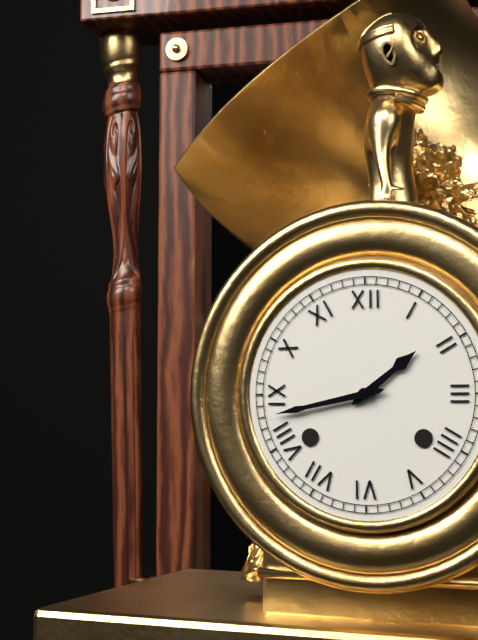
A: **1:43**
